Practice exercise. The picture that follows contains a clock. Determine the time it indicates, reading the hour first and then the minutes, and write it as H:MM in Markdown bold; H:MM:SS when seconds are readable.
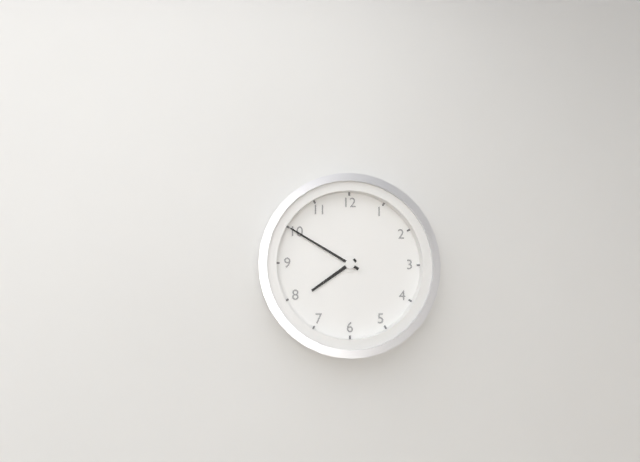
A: **7:50**
